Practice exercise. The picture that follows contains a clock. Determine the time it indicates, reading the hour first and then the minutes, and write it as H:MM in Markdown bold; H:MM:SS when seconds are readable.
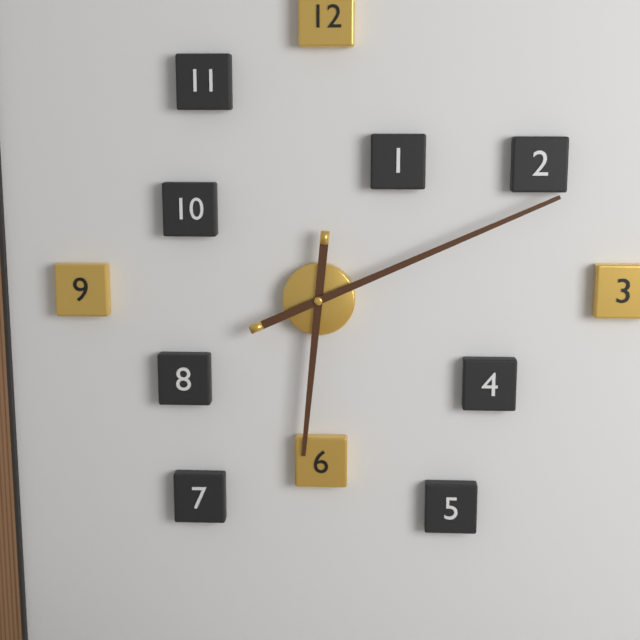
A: **6:11**
